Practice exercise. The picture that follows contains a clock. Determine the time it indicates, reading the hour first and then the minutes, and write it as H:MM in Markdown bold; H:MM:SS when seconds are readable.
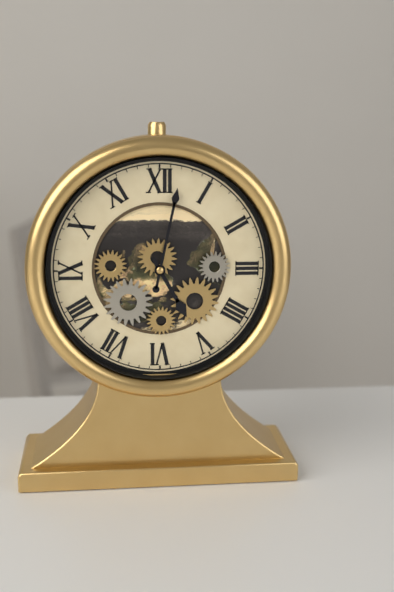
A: **5:02**
